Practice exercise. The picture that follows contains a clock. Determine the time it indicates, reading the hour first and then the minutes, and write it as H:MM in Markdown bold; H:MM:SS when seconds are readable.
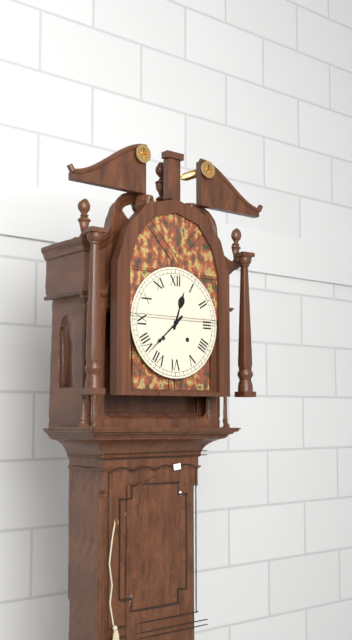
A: **12:38**
